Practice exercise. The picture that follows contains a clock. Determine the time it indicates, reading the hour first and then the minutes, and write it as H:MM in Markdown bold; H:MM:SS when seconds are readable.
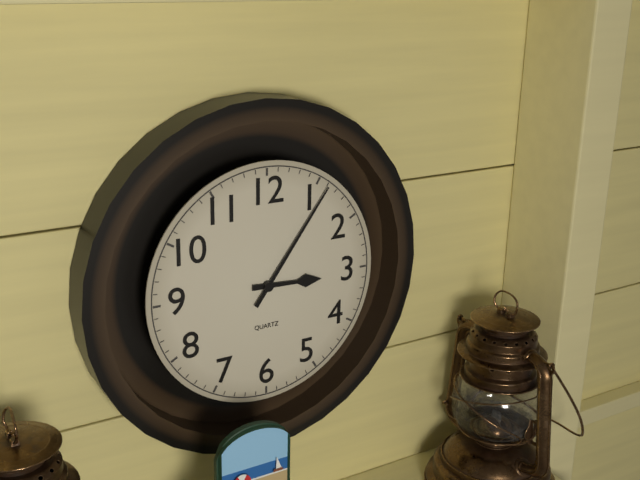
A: **3:06**
